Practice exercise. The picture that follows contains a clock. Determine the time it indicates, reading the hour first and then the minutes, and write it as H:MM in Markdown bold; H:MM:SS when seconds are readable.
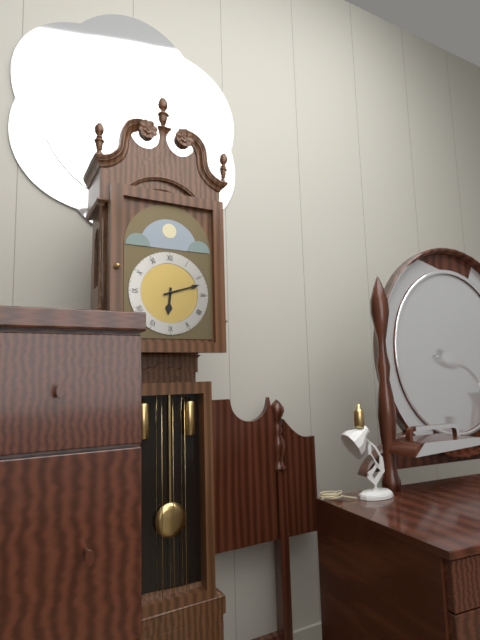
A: **6:12**
